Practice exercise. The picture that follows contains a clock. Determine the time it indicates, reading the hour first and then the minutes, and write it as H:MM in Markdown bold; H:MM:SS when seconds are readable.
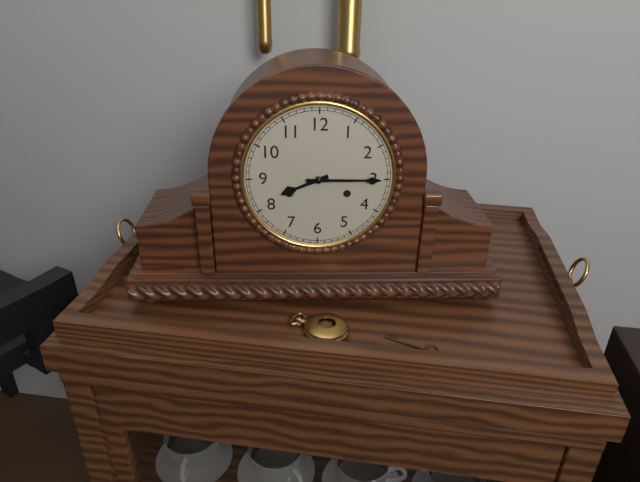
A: **8:15**
